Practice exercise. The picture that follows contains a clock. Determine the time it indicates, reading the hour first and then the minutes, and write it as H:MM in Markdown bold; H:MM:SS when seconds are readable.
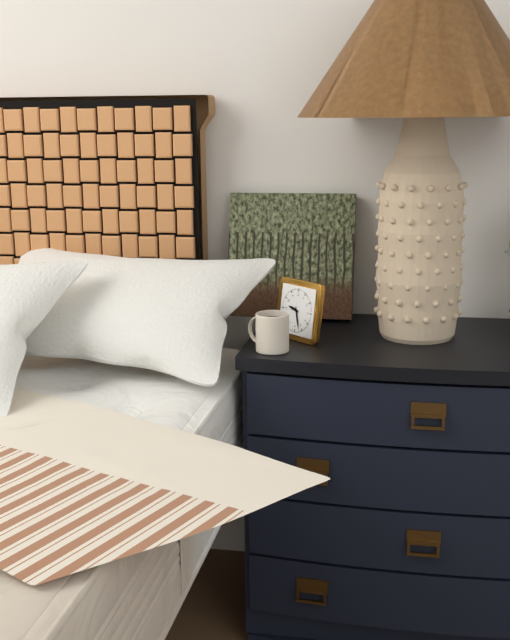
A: **9:27**
